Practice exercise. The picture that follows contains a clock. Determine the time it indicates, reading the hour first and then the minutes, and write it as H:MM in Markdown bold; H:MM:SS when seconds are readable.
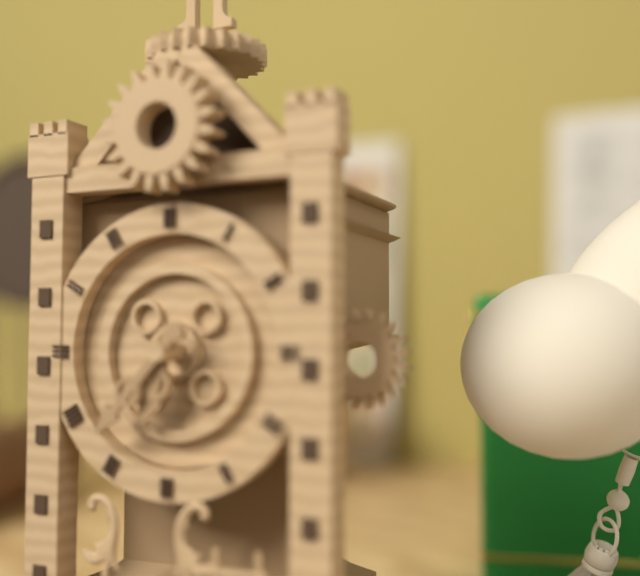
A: **6:37**
